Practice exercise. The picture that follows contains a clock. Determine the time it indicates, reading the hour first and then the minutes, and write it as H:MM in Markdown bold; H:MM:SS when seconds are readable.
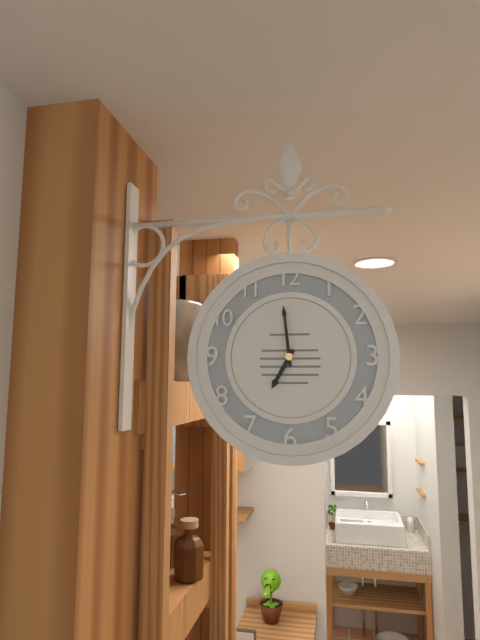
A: **6:59**
